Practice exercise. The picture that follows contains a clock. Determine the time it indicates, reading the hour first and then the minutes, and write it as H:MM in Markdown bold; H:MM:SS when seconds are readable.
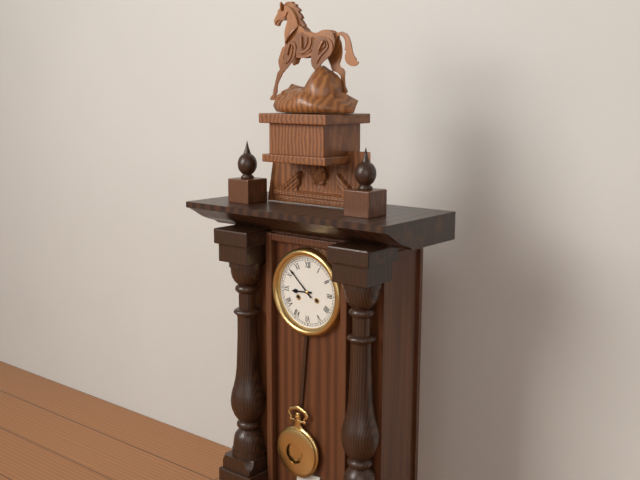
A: **8:52**
